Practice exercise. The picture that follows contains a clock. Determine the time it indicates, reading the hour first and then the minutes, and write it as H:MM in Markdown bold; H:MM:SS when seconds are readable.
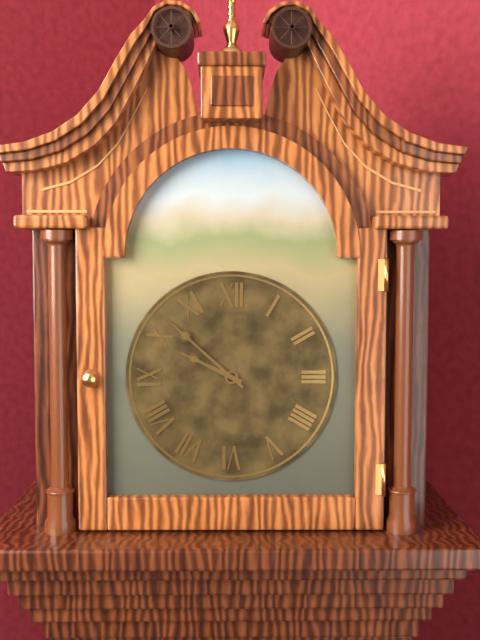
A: **9:52**
